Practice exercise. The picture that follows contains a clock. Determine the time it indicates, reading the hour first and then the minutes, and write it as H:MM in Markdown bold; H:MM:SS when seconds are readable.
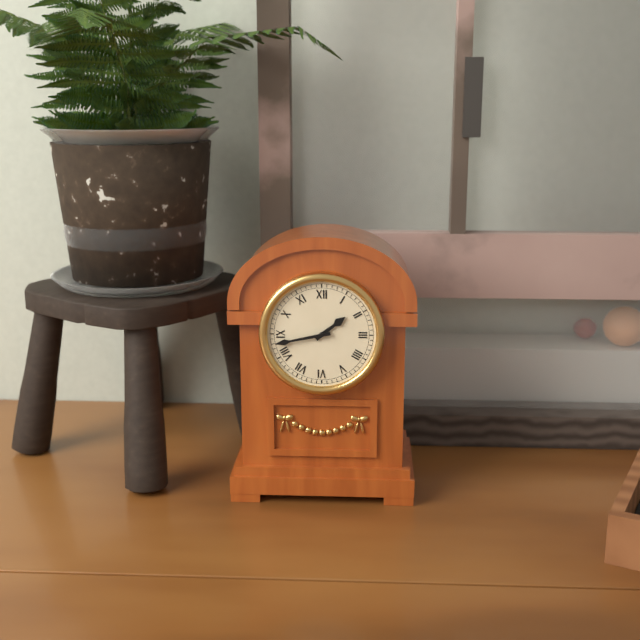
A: **1:43**
